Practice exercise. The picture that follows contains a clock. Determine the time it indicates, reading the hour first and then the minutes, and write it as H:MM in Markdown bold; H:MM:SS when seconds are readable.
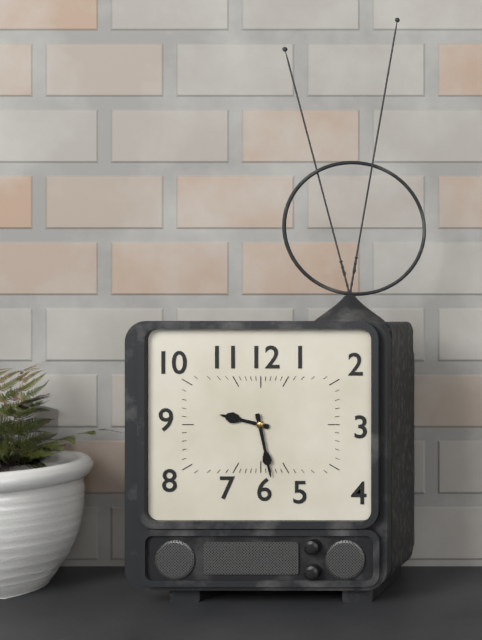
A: **9:28**
